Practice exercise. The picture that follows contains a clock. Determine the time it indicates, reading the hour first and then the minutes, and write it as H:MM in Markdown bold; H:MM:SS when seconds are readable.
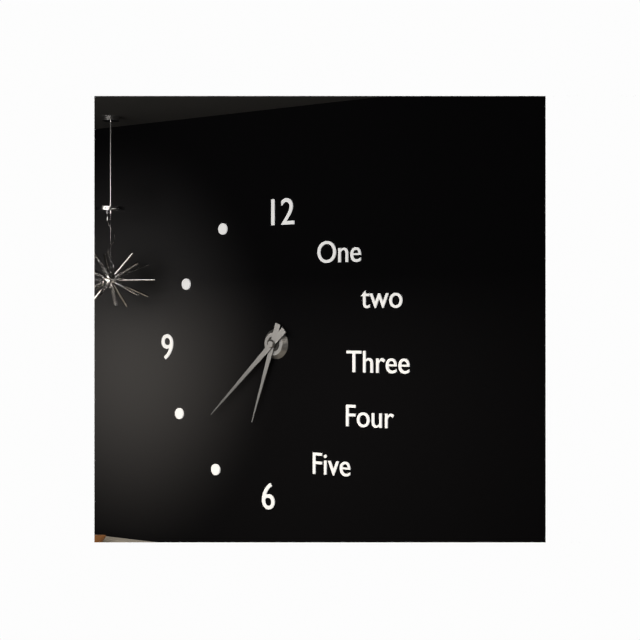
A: **6:38**
